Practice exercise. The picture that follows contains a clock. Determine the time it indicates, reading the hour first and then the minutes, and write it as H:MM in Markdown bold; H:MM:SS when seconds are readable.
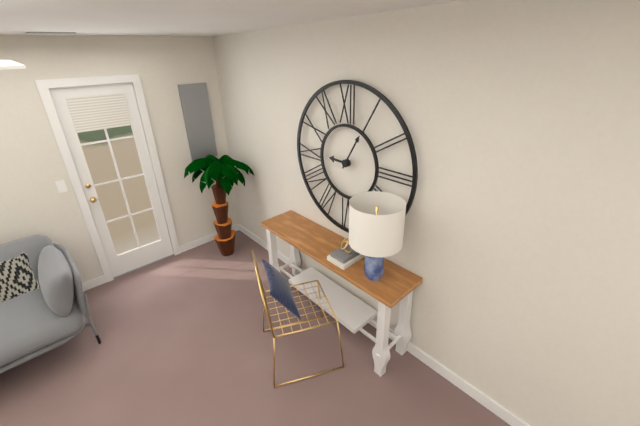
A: **9:05**
